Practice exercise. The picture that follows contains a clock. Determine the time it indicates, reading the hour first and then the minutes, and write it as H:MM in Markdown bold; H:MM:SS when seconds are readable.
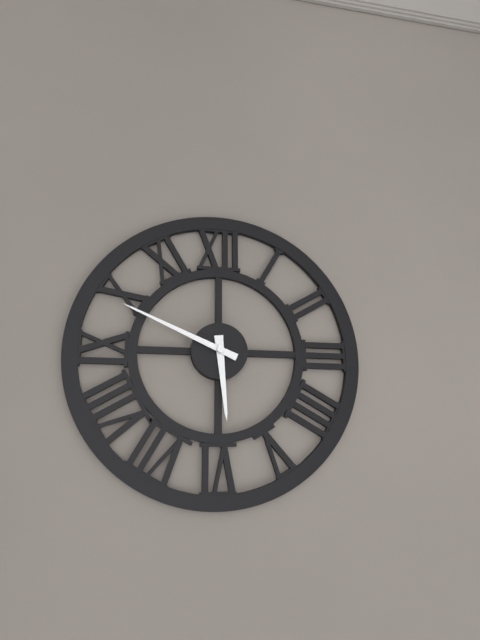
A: **5:49**
